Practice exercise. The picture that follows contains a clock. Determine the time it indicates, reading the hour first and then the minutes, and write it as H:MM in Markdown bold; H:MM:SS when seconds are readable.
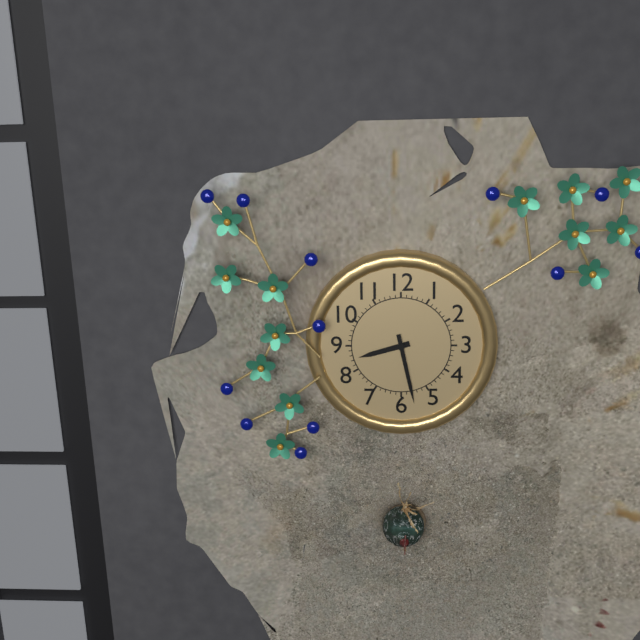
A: **8:28**
